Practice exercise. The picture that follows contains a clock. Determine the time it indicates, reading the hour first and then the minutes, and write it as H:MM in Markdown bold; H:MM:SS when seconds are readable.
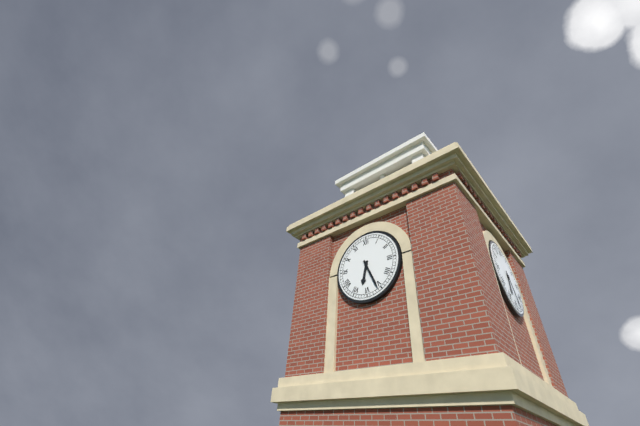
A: **6:26**
